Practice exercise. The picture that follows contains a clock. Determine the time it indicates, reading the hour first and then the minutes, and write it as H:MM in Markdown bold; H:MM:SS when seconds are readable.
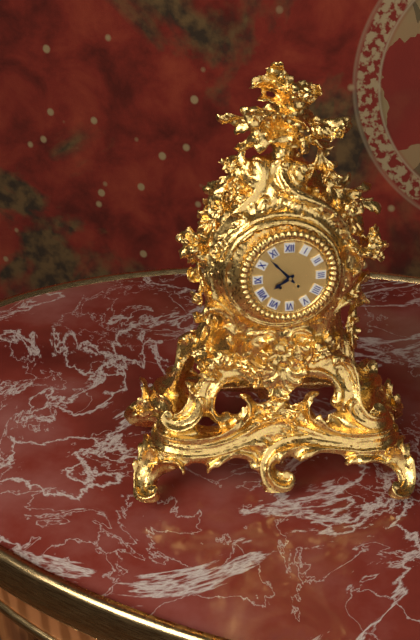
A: **7:53**
